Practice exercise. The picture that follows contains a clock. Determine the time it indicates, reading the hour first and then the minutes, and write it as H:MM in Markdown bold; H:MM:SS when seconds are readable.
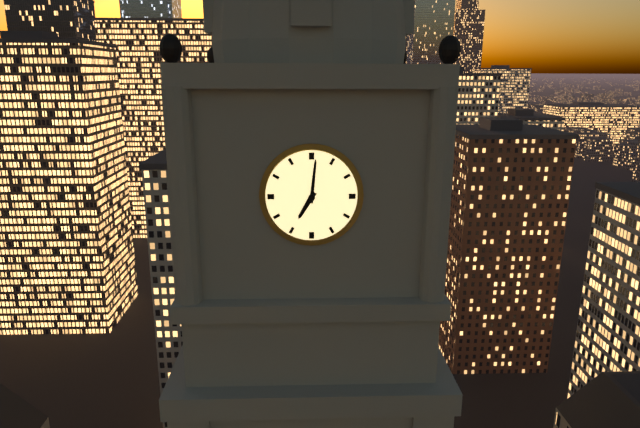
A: **7:01**
